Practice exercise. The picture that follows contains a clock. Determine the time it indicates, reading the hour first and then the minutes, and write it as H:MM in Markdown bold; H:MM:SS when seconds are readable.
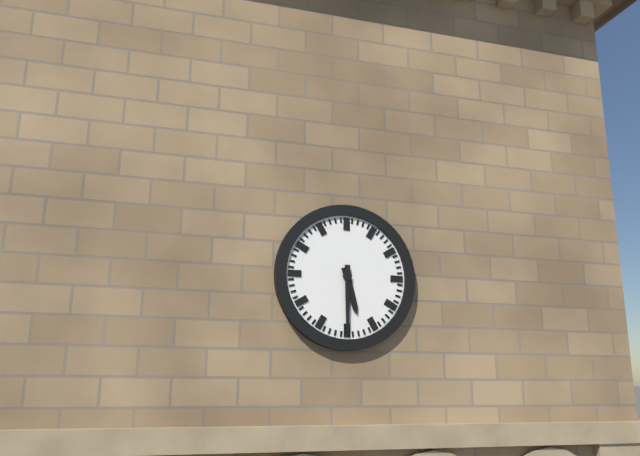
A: **5:30**
